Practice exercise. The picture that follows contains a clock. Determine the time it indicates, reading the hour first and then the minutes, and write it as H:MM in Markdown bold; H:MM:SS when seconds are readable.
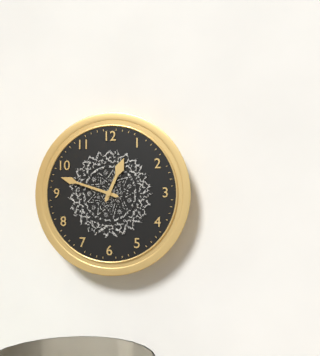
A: **12:48**
